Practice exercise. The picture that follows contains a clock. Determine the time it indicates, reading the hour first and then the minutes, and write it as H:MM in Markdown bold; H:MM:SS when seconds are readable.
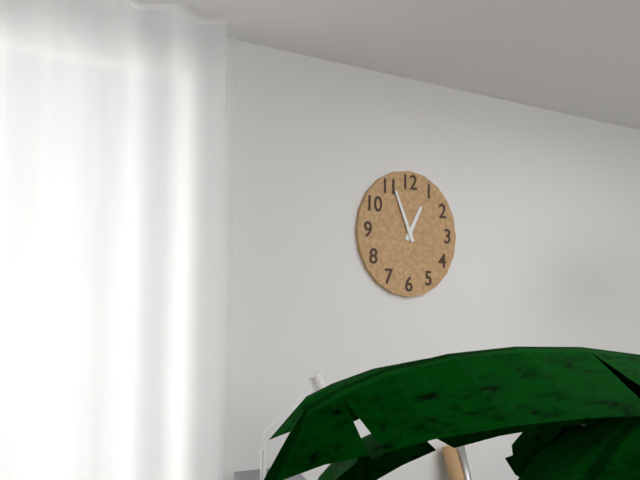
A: **12:56**
